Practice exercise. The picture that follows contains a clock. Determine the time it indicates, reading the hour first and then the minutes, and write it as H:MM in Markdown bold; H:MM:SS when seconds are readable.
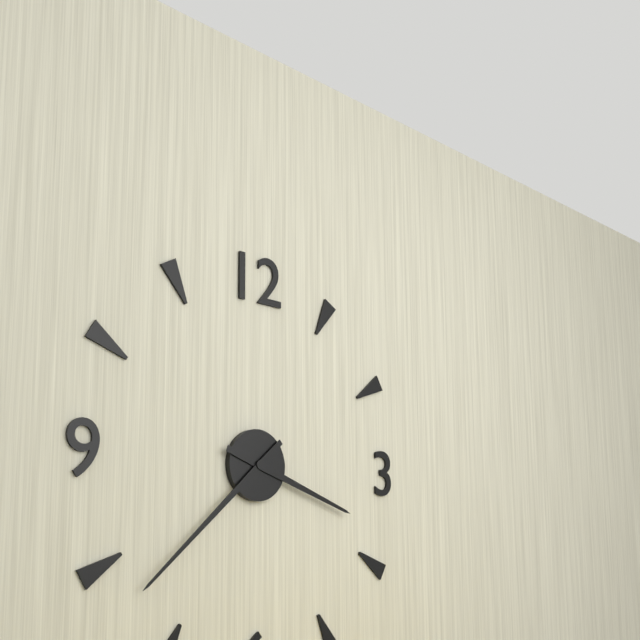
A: **3:38**
